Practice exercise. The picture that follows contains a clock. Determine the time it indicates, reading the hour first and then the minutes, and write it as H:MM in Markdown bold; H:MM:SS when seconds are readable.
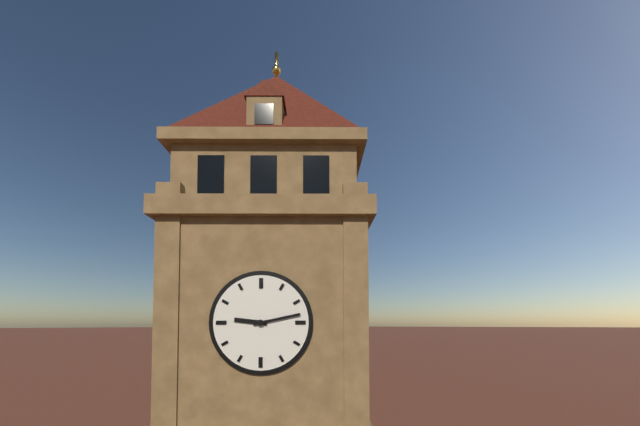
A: **9:13**
